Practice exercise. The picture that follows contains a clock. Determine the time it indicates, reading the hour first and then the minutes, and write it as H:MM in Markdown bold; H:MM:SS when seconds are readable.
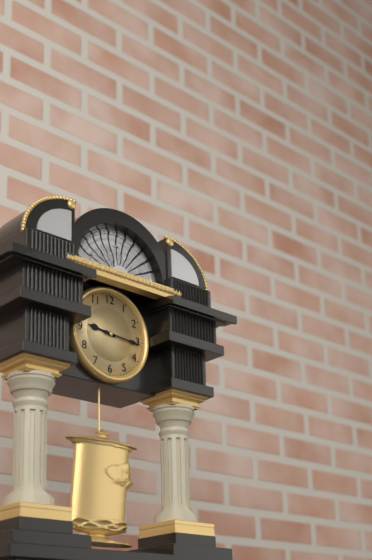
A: **9:16**
